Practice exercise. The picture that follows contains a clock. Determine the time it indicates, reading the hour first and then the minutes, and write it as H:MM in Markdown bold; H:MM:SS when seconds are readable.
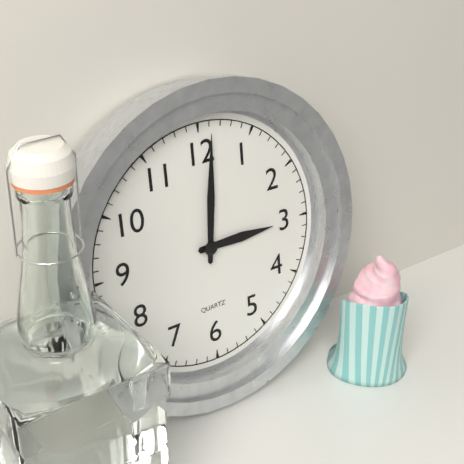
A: **3:01**
